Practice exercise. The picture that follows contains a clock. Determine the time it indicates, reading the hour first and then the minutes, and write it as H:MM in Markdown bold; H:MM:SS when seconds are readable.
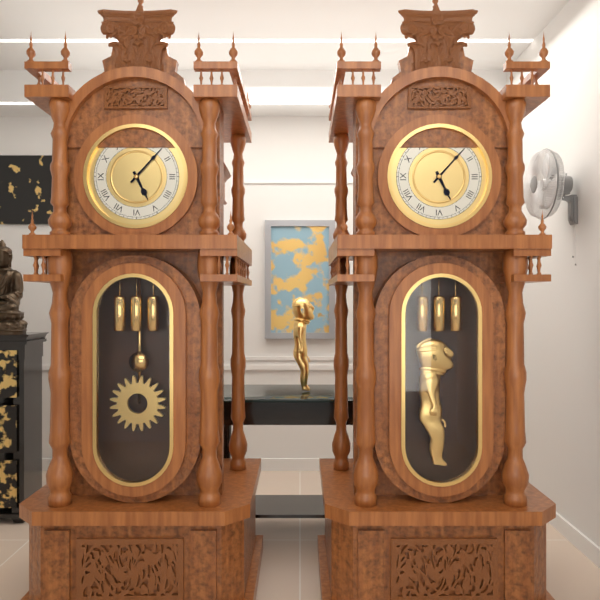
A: **5:07**
